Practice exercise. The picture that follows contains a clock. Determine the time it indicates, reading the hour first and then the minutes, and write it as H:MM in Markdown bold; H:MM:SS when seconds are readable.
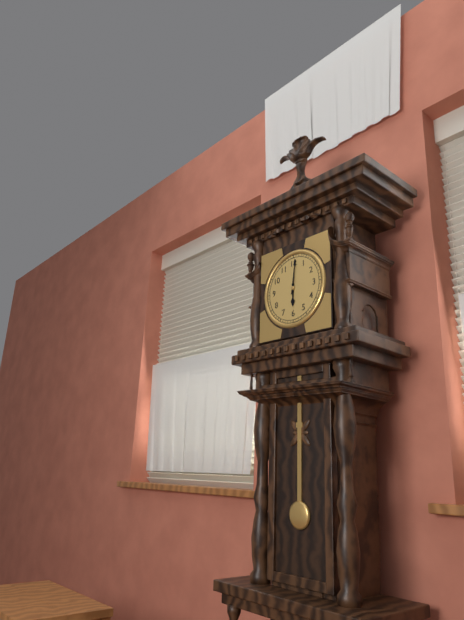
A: **6:01**
